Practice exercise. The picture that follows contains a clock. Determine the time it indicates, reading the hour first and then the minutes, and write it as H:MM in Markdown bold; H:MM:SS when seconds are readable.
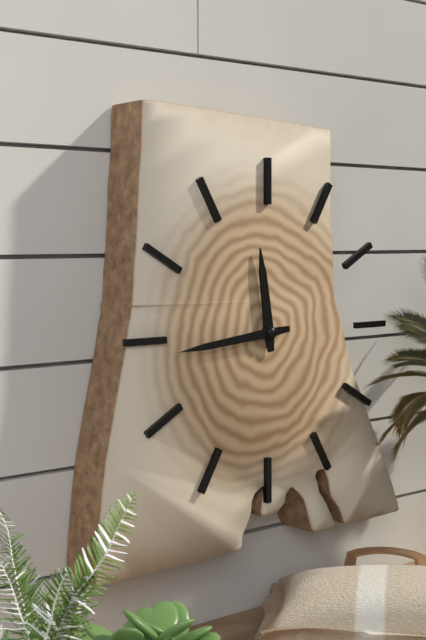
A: **11:44**
